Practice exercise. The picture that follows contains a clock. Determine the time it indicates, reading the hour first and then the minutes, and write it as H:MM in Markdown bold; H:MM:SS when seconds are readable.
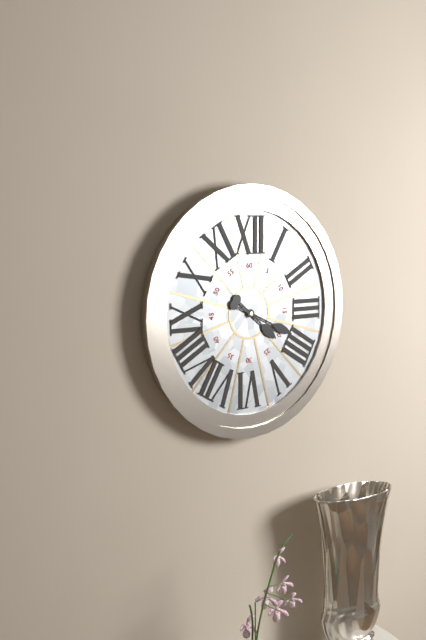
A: **4:19**
